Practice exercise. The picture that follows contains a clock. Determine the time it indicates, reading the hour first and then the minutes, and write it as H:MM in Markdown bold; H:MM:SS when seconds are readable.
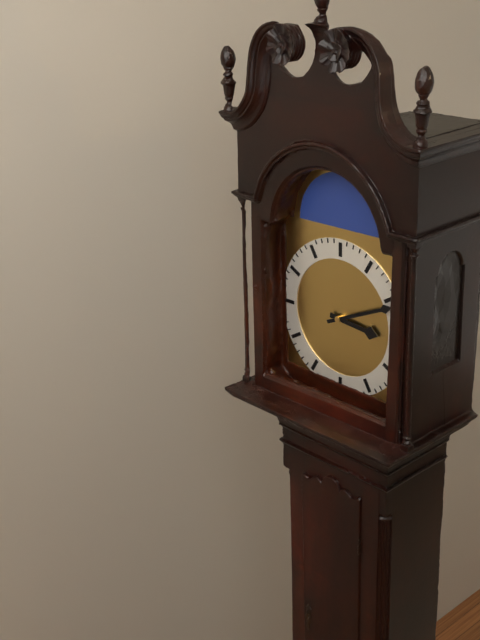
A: **3:11**
